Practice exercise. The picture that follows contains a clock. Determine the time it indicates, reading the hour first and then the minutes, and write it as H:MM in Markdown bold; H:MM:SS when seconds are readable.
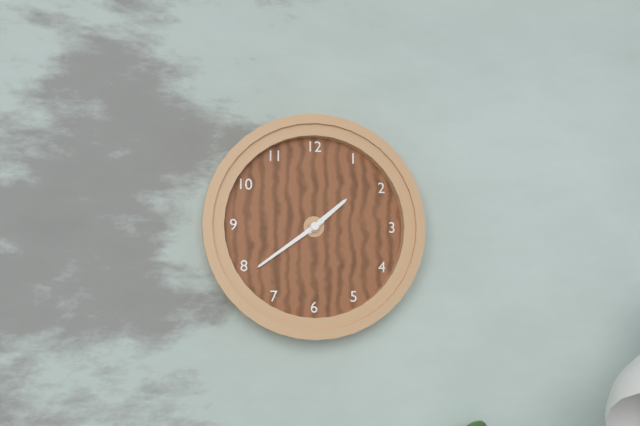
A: **1:39**
